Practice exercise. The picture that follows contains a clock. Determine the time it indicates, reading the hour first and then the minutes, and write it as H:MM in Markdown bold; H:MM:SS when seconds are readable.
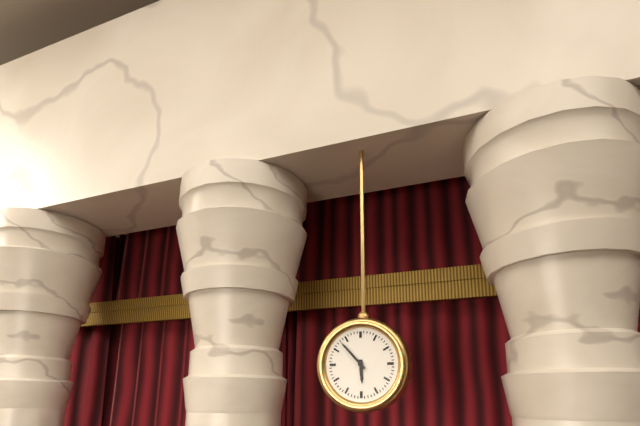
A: **5:53**
